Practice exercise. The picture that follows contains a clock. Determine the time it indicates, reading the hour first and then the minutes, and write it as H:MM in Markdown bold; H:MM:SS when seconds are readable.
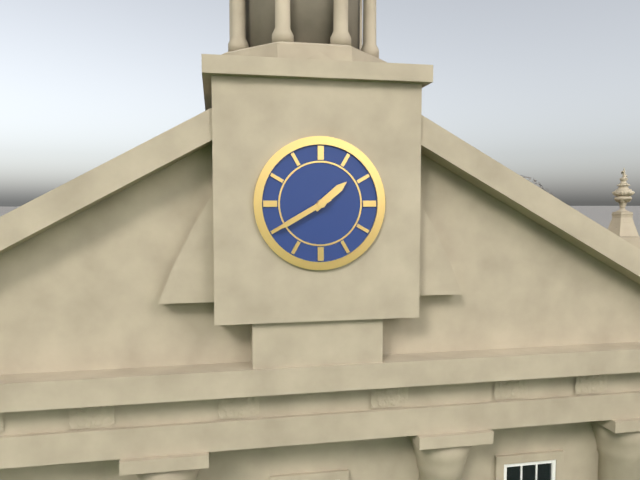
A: **1:40**
